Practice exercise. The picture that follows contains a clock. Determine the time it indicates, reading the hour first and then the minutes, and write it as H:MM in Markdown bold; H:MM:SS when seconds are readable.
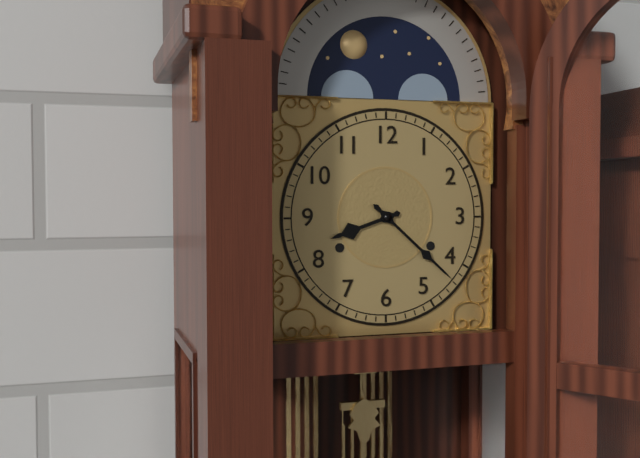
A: **8:22**
